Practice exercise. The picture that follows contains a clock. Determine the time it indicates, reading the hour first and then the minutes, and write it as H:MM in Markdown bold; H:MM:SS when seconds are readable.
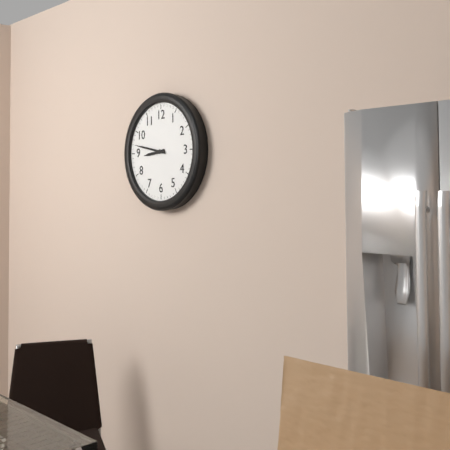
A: **8:47**
